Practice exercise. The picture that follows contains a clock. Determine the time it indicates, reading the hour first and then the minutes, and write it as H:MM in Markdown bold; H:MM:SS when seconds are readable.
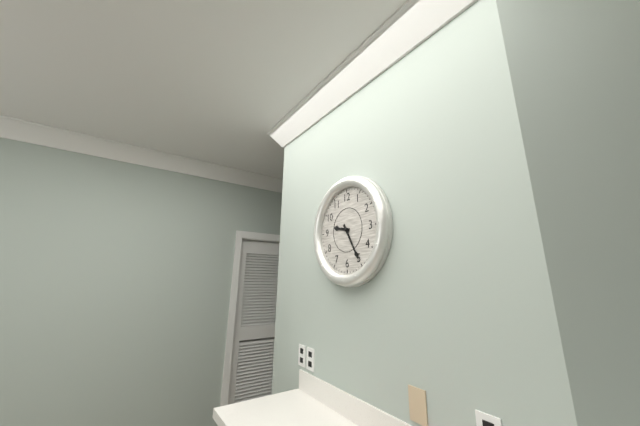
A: **9:25**
